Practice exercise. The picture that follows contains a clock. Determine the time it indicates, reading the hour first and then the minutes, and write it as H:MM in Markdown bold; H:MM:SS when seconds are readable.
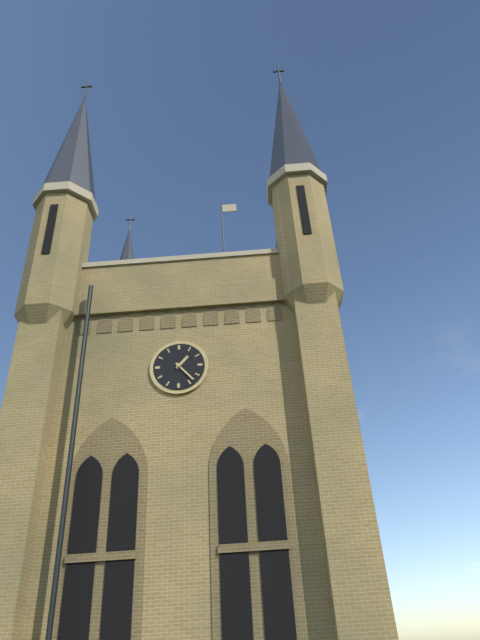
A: **1:23**
